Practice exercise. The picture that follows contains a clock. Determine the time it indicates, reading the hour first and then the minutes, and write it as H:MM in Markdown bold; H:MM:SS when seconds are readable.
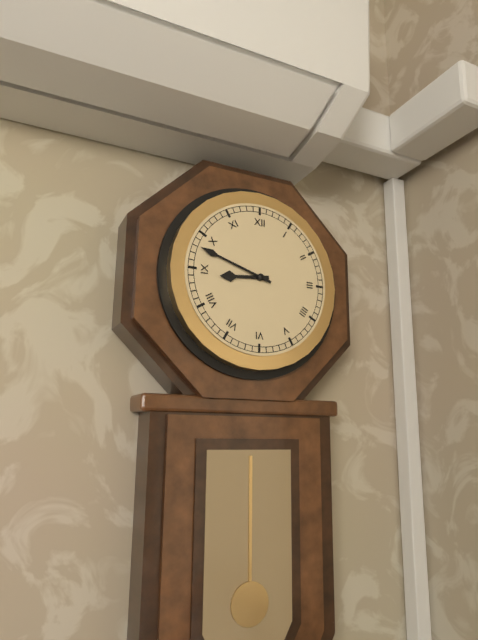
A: **8:48**
